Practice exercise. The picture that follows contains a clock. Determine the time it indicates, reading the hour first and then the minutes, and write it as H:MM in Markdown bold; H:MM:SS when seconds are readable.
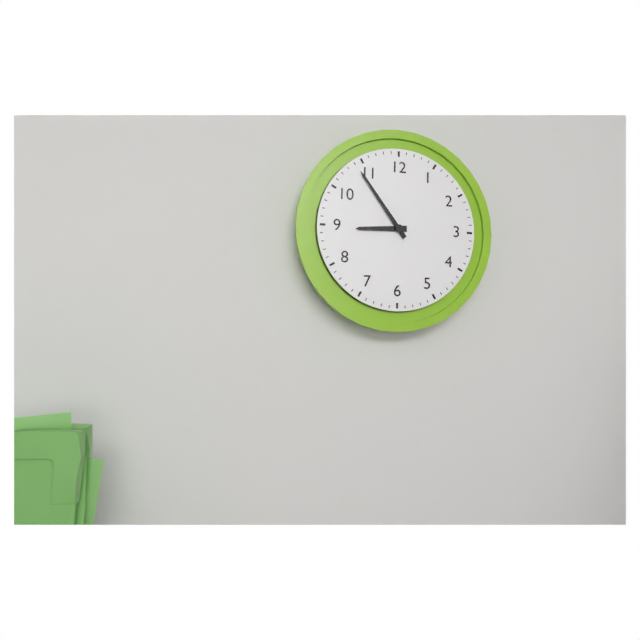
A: **8:54**
